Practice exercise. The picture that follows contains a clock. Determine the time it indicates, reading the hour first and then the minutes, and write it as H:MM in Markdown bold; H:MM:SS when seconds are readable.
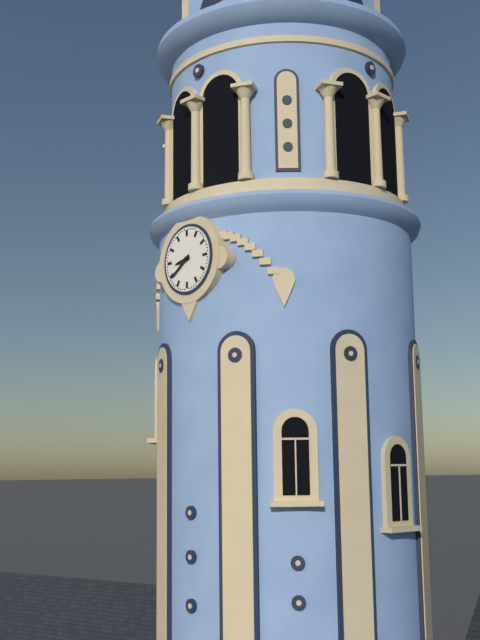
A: **8:39**
